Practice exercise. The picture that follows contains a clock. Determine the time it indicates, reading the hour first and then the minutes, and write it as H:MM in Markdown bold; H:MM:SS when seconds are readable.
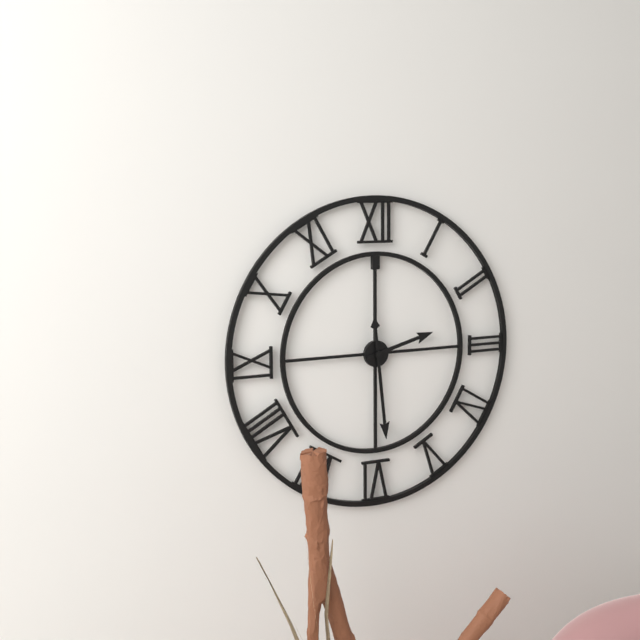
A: **2:29**
